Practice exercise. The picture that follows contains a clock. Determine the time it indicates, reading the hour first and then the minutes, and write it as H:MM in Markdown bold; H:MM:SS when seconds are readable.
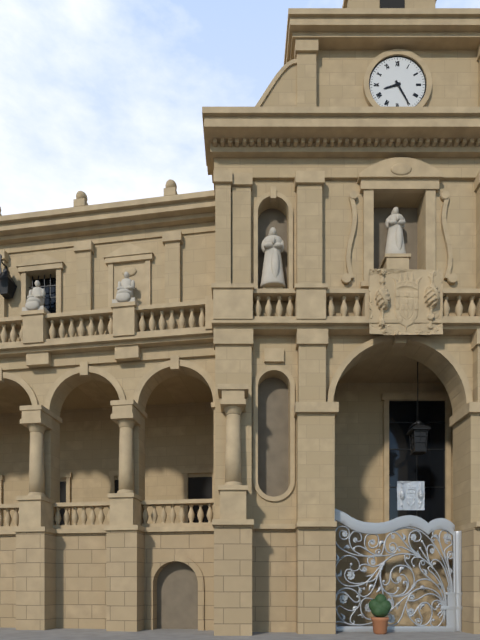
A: **8:25**
